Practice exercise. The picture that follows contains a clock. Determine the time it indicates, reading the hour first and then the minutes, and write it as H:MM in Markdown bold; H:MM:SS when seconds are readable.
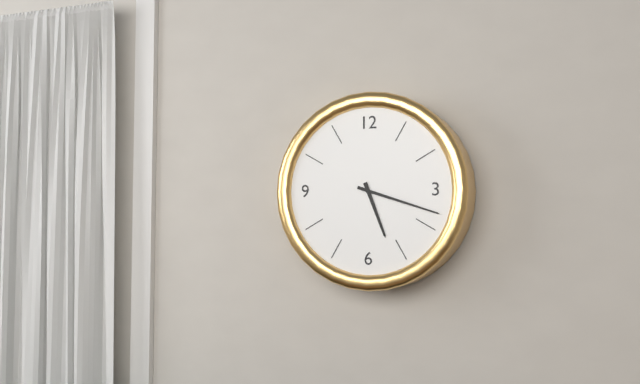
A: **5:18**
